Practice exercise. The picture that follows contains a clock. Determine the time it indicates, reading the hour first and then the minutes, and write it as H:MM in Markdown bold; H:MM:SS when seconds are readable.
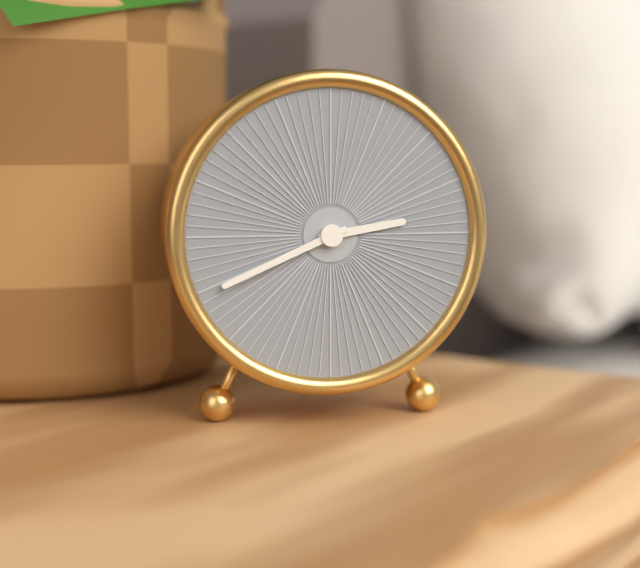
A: **2:41**
